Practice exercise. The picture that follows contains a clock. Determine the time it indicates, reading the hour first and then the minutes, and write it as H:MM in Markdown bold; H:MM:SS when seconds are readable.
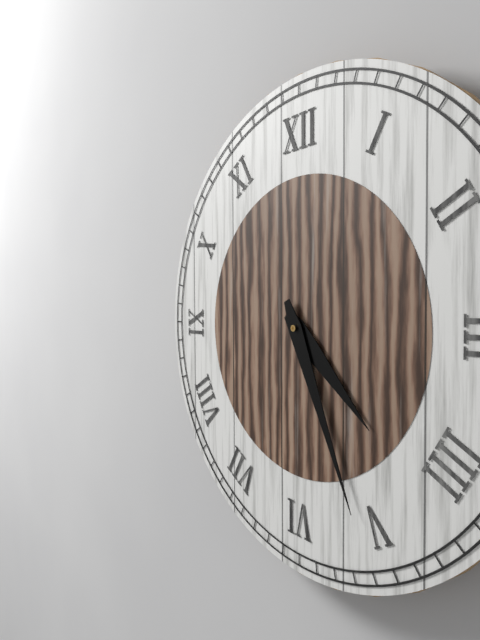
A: **4:26**
